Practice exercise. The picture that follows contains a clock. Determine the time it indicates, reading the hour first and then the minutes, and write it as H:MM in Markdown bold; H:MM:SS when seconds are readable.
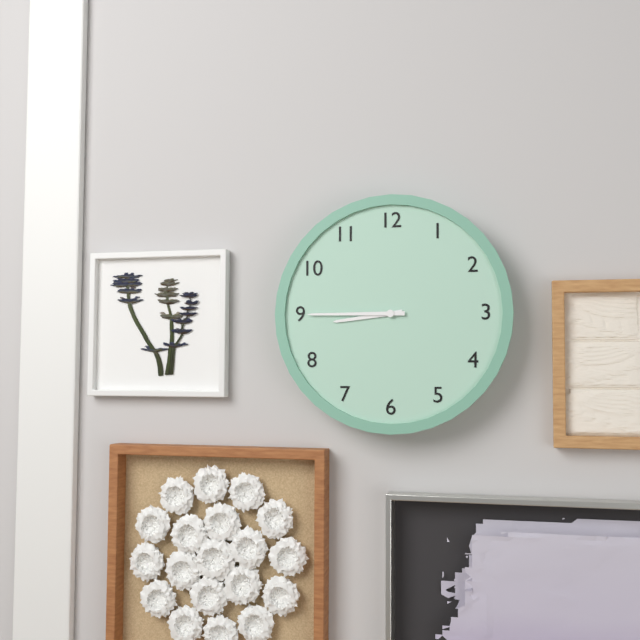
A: **8:45**
